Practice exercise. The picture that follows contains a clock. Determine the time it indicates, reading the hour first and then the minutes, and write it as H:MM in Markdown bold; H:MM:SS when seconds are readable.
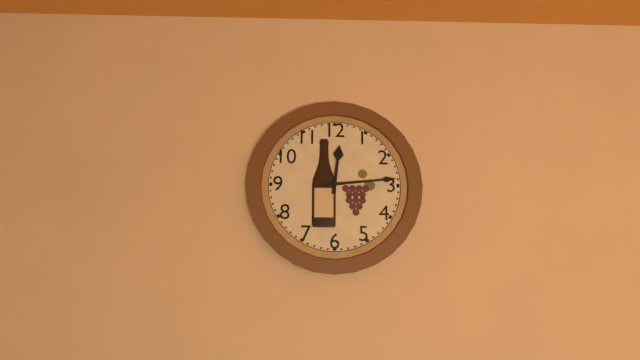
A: **12:14**
